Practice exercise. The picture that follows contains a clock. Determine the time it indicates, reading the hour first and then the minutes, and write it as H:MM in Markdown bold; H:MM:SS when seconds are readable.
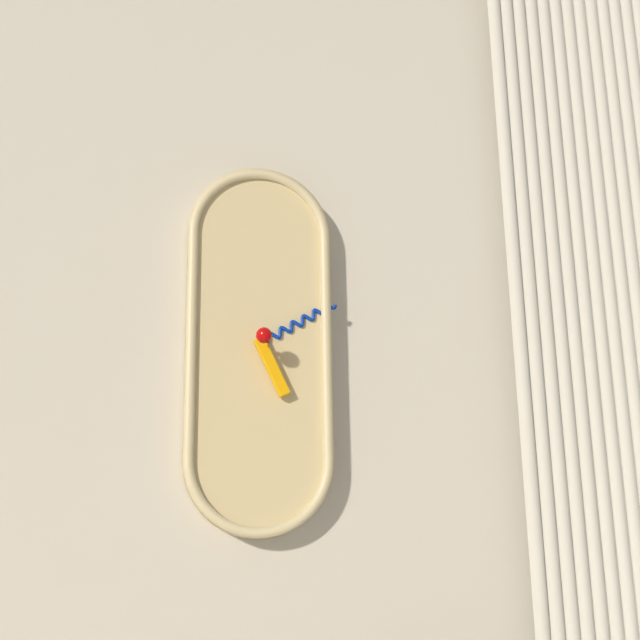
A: **5:10**
